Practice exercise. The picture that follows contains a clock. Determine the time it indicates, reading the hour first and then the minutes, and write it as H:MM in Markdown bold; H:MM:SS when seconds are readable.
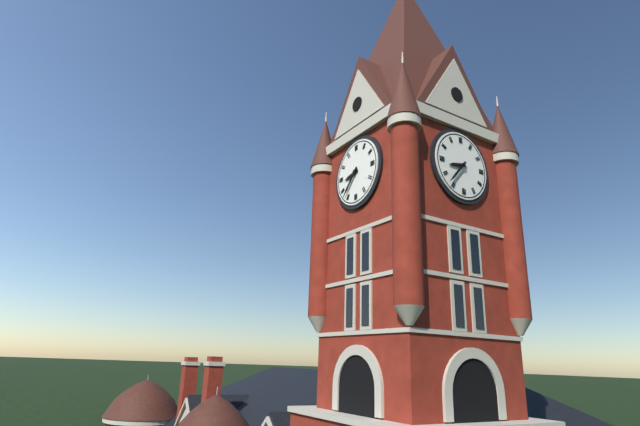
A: **8:37**
